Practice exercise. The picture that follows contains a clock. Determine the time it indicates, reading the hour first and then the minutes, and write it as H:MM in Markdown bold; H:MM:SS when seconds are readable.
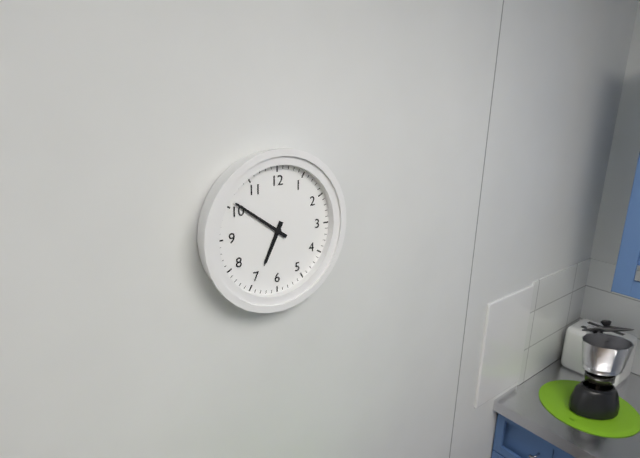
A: **6:51**
